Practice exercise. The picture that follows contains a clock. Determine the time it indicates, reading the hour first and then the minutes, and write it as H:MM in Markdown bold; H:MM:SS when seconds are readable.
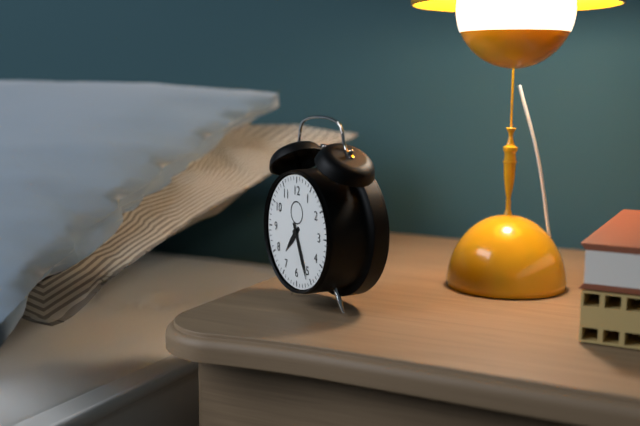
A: **7:26**
